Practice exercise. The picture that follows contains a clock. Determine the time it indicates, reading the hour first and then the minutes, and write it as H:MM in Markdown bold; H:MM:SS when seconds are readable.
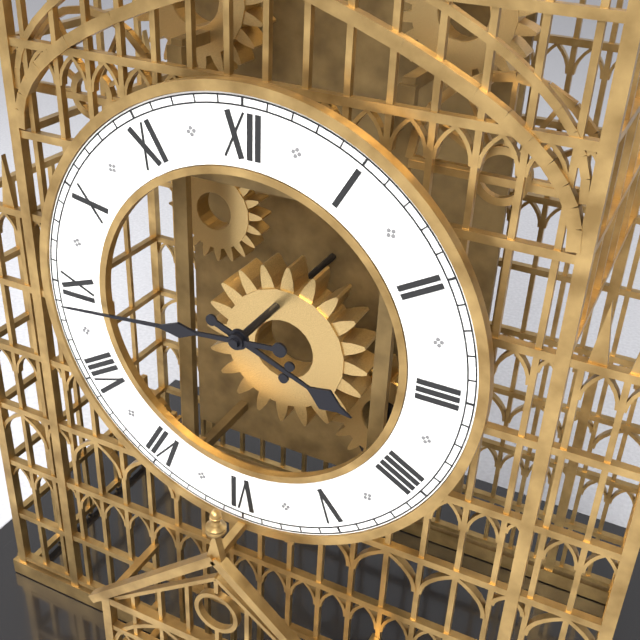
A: **3:44**
